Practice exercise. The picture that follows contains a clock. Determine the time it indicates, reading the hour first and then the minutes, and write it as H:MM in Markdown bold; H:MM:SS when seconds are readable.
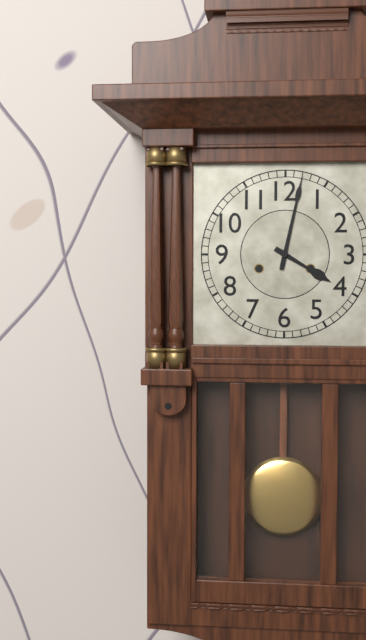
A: **4:02**
